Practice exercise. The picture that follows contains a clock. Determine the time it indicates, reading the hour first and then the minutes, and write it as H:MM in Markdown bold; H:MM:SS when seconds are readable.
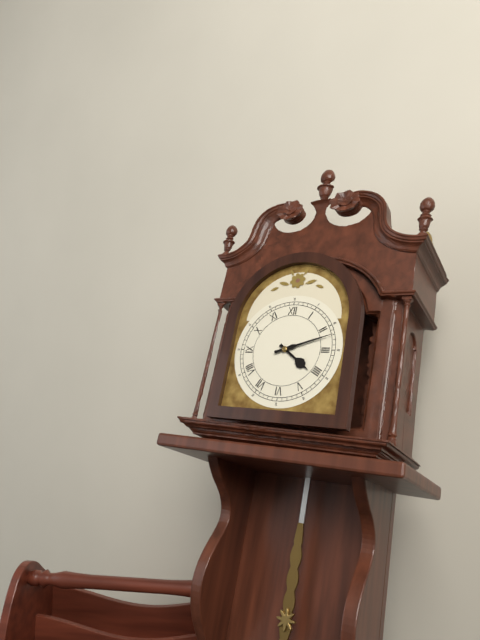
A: **4:12**
